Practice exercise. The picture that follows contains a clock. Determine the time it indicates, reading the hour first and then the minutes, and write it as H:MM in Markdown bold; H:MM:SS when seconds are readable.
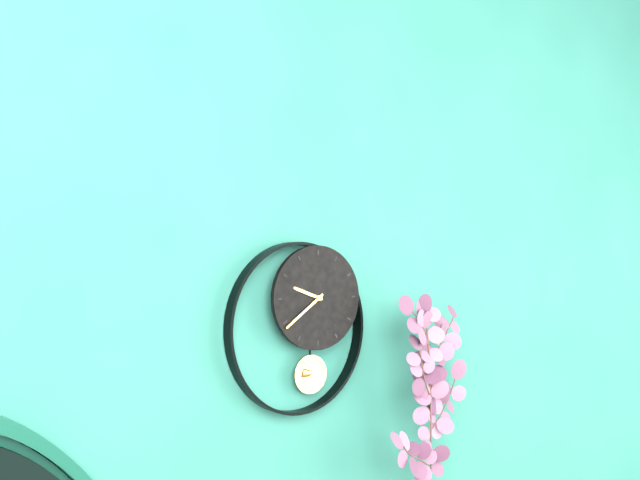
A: **9:39**
